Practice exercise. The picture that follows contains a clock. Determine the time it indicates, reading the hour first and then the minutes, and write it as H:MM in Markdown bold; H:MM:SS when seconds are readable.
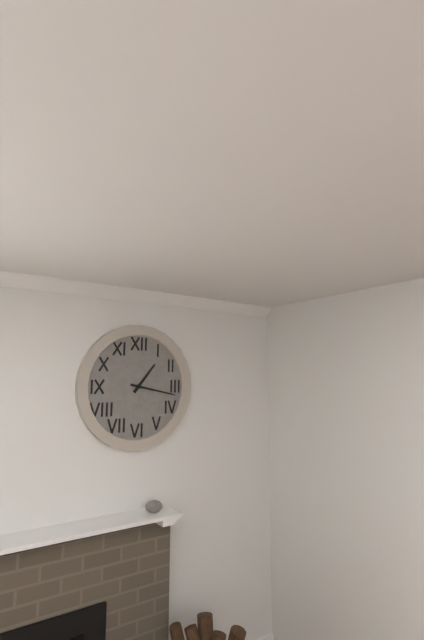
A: **1:17**
